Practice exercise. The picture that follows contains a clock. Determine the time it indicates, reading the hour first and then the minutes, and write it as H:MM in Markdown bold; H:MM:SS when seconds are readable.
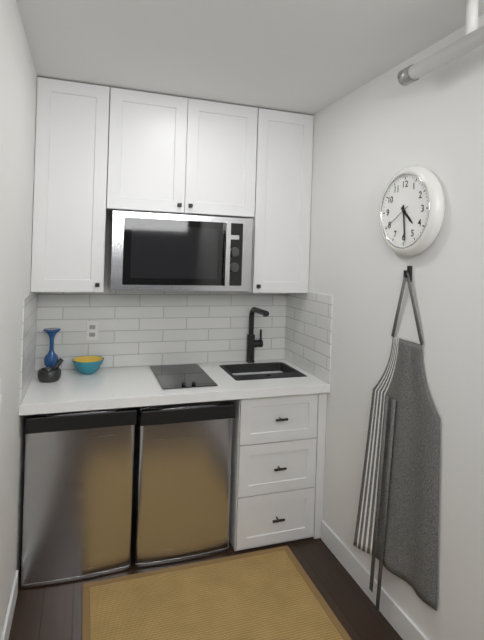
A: **4:29**
